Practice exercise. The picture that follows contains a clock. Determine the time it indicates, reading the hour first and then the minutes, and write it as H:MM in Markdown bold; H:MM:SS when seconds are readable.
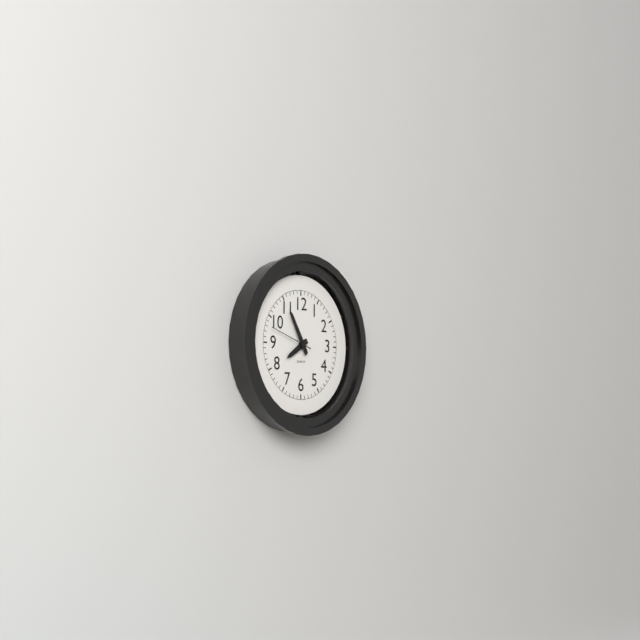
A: **7:55**
